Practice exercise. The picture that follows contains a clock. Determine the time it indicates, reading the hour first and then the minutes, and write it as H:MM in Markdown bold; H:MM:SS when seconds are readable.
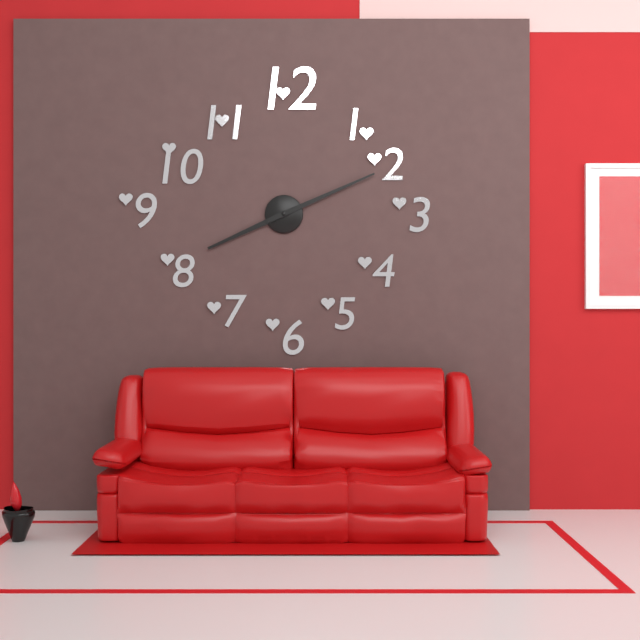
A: **8:11**
